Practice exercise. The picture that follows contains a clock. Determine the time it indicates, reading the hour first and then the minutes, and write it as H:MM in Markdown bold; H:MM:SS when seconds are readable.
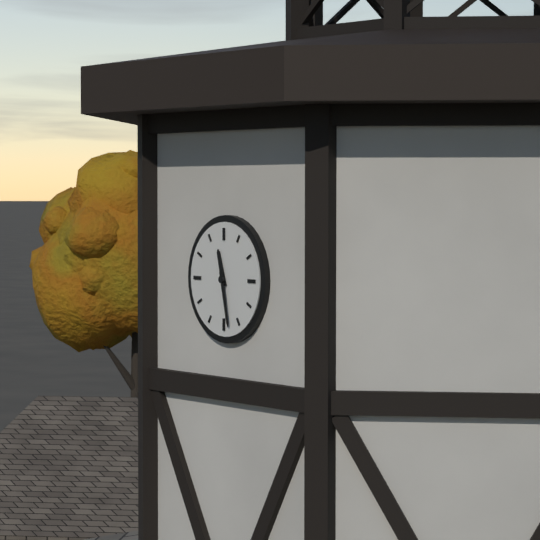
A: **11:28**
